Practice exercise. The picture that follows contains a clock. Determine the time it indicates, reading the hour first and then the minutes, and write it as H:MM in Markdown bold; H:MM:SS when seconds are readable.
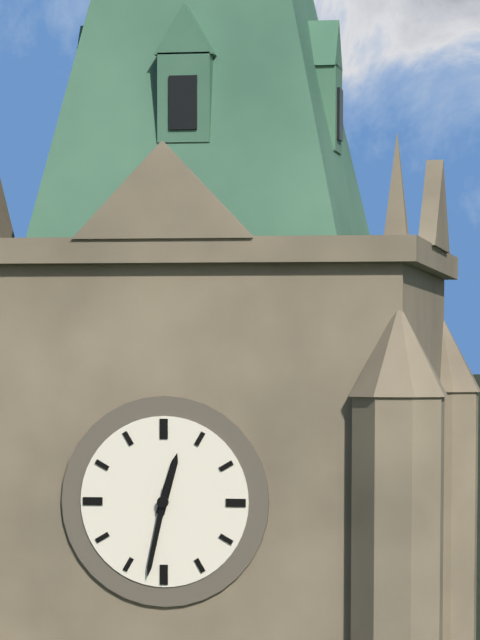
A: **12:32**
